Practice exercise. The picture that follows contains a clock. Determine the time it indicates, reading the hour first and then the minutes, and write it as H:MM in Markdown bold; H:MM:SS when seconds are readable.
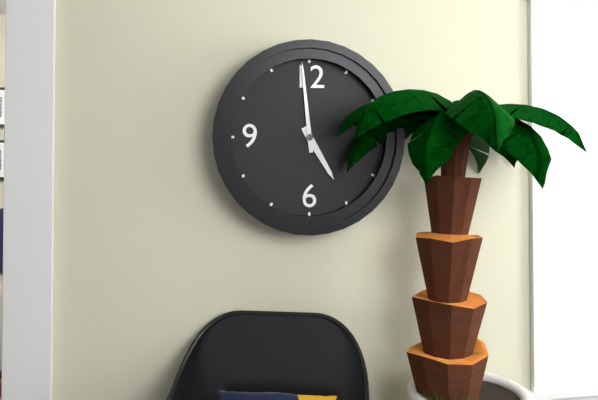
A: **4:59**
